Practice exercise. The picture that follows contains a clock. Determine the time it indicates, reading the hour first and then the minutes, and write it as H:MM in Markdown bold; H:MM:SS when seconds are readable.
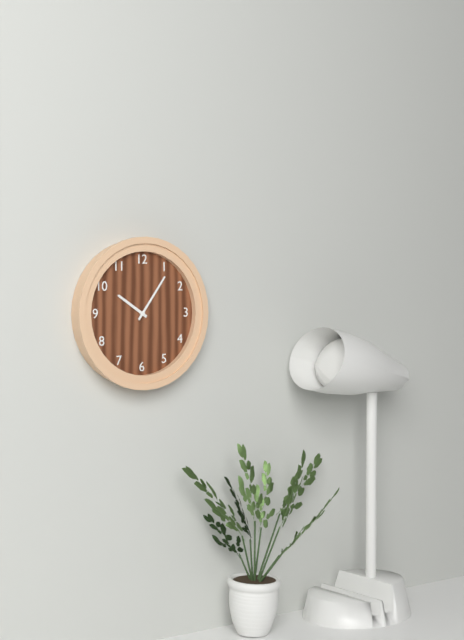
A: **10:06**
